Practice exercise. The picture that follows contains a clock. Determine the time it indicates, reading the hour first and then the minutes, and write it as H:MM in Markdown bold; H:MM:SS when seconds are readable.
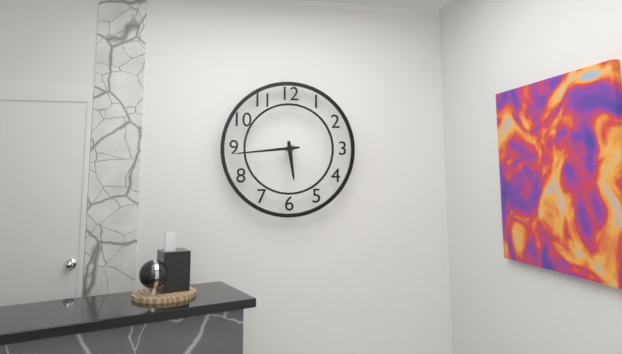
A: **5:44**
